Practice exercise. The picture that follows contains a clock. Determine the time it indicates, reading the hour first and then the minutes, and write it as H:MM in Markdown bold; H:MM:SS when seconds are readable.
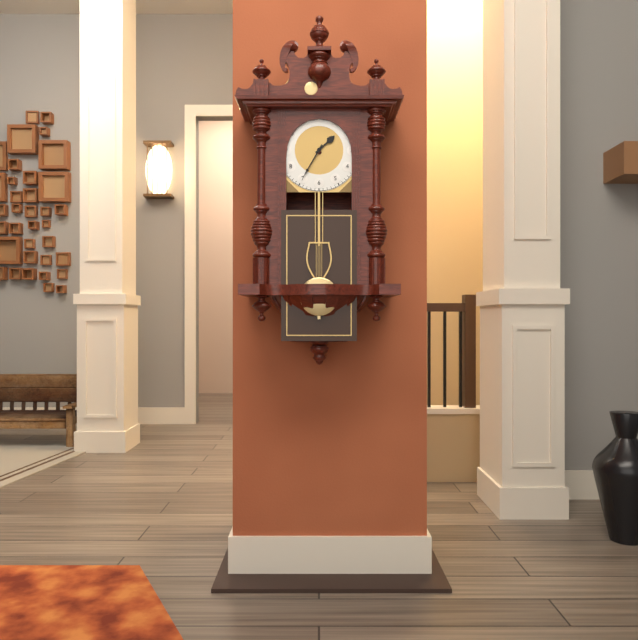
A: **1:35**
